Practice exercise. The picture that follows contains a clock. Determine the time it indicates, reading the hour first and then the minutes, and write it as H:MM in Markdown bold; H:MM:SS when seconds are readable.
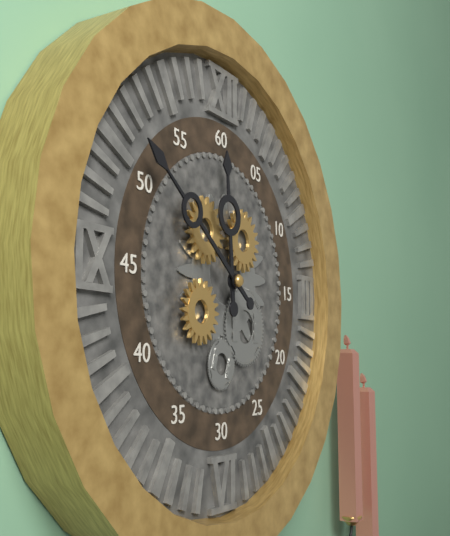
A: **11:51**
